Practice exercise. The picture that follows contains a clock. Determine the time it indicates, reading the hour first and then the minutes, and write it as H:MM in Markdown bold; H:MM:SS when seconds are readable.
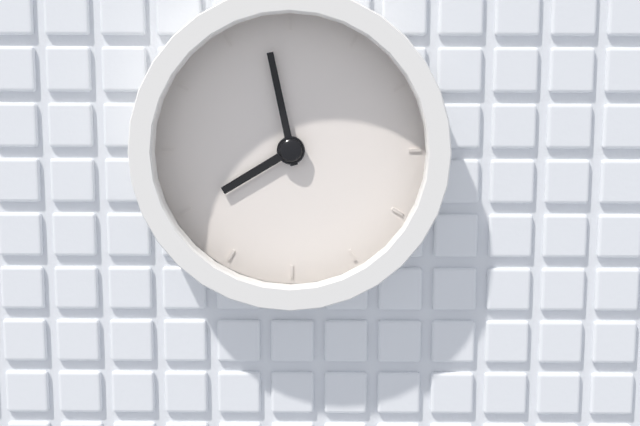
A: **7:58**
